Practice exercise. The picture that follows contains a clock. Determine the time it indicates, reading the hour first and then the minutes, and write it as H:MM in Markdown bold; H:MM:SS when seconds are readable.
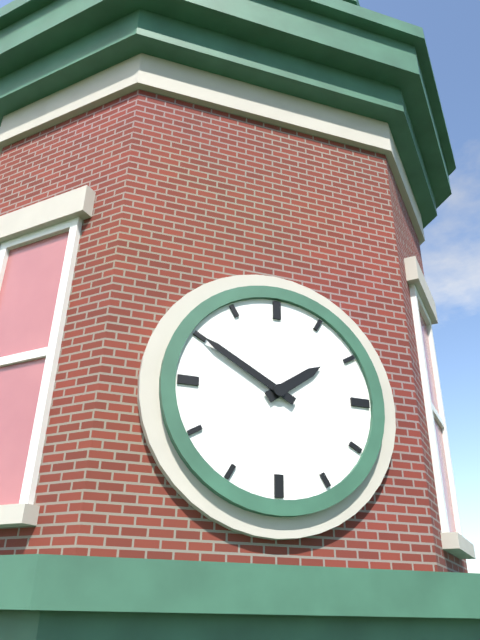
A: **1:50**
